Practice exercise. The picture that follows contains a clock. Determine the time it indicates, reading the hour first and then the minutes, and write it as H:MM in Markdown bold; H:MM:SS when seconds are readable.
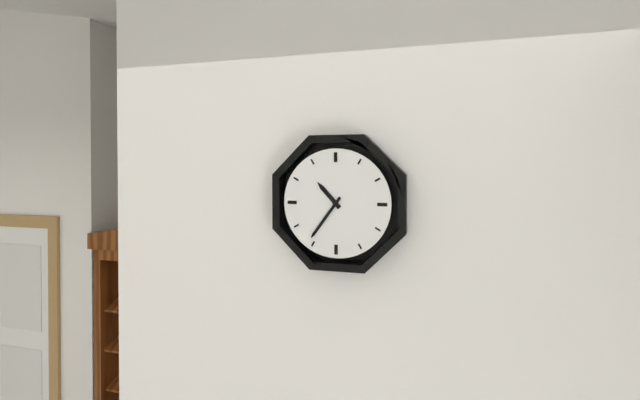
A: **10:36**
